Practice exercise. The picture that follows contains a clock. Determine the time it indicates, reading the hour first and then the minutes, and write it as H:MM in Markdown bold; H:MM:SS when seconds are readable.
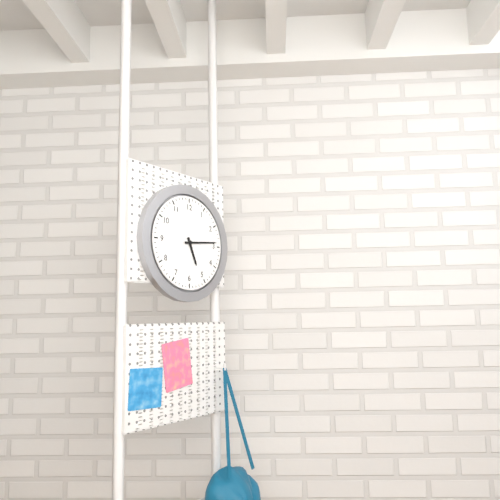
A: **5:14**
